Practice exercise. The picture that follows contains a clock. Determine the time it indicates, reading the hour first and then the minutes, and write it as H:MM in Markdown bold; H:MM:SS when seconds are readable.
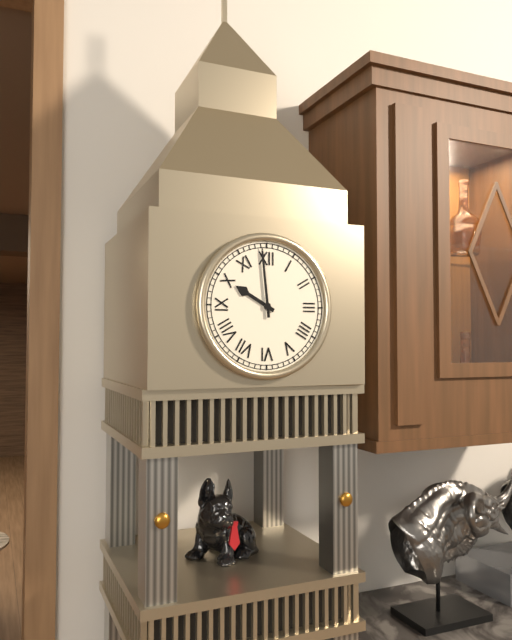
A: **9:59**
